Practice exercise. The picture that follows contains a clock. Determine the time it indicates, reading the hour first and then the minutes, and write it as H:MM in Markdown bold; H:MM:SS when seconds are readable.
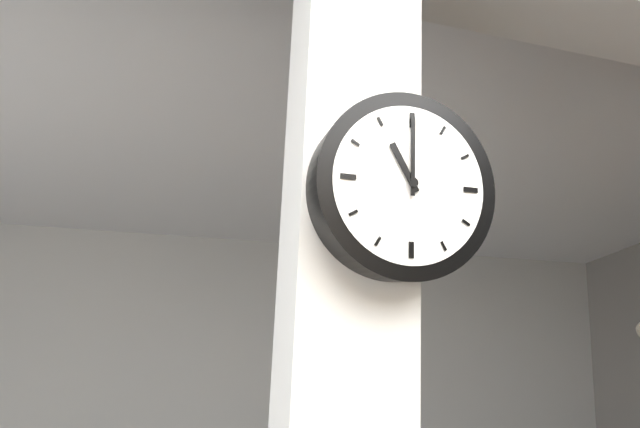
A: **11:00**
